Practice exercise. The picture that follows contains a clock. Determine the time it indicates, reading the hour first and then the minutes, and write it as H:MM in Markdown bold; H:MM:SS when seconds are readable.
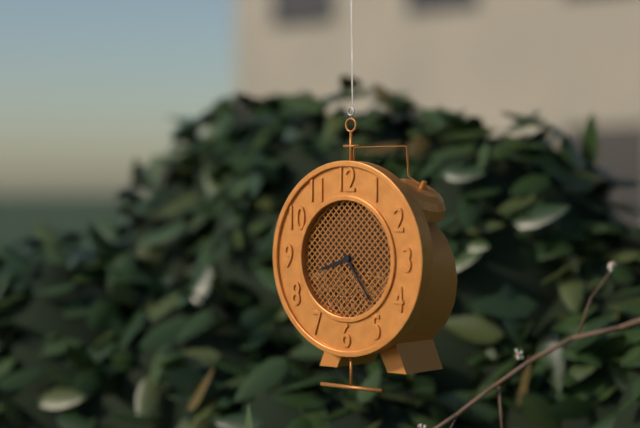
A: **8:24**
